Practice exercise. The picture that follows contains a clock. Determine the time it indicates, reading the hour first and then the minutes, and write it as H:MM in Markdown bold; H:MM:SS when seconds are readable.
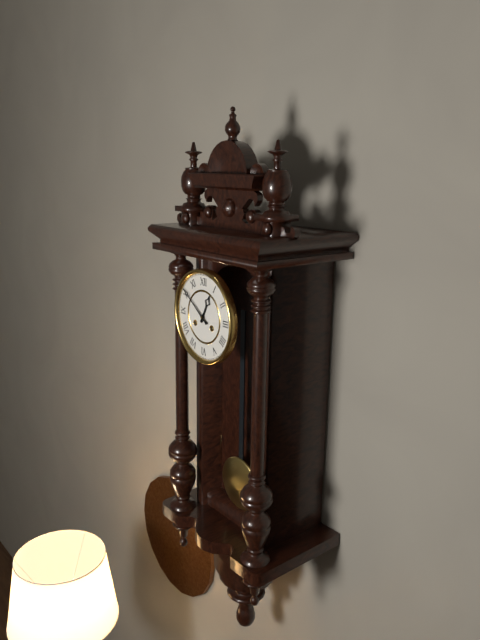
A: **12:51**
